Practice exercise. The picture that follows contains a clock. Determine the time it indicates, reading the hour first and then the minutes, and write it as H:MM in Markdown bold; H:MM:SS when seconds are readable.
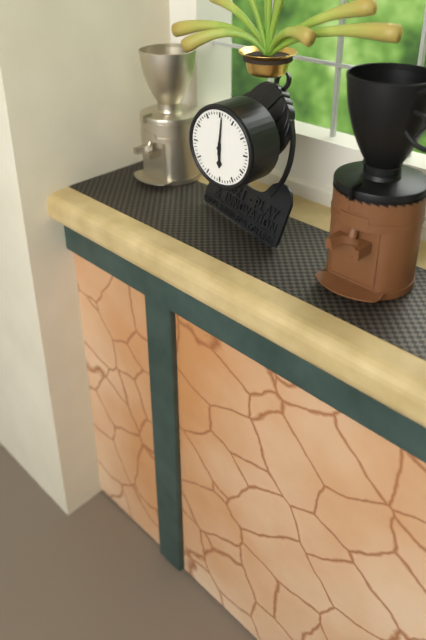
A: **6:01**
